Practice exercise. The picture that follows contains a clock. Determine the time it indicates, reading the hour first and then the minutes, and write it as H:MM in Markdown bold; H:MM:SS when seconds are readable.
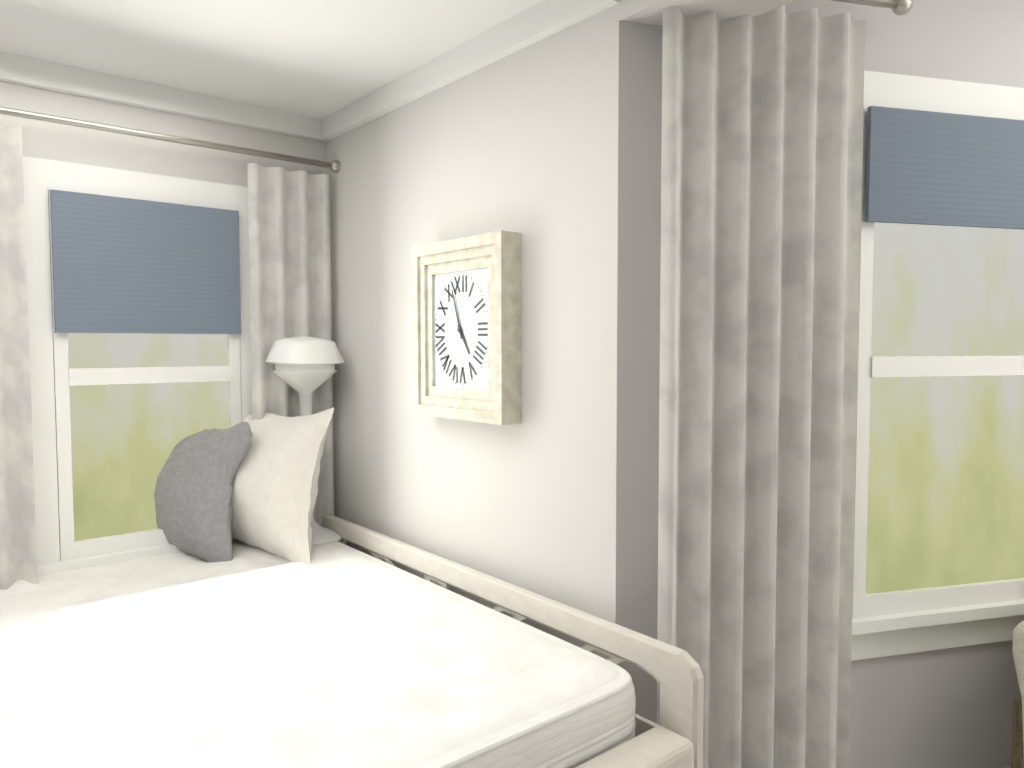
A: **4:57**
